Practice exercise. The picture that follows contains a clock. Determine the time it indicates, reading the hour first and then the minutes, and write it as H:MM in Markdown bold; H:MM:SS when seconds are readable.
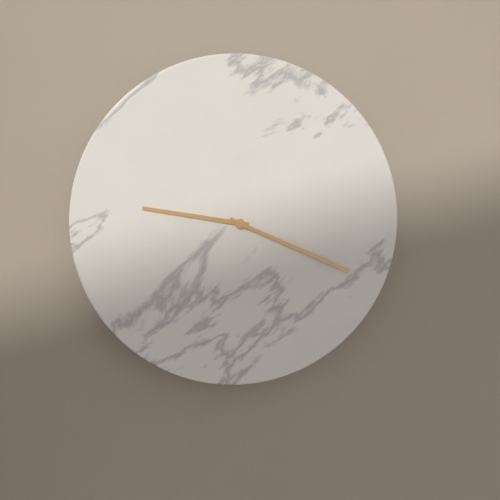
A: **9:19**
